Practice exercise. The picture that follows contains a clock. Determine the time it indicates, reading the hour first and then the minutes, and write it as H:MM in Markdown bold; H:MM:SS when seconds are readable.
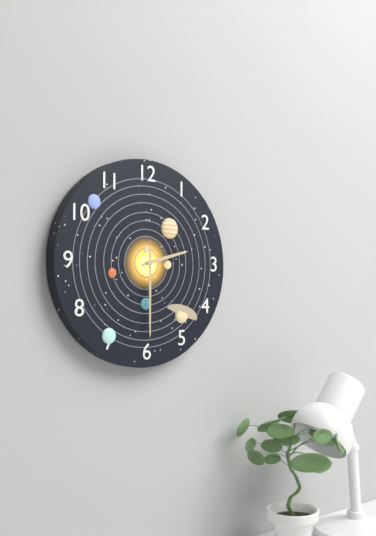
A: **2:30**
